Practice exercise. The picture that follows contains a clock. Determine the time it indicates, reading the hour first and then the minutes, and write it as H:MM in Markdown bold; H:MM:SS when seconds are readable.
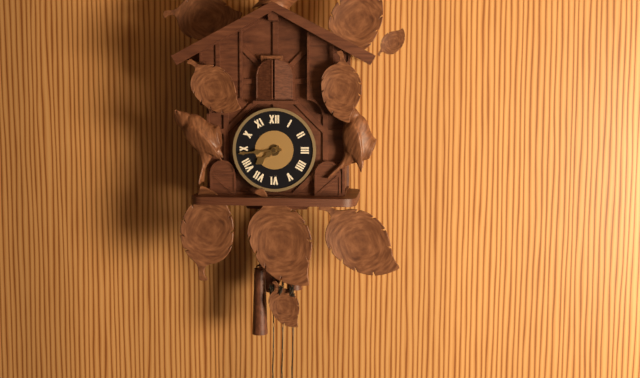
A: **7:44**
